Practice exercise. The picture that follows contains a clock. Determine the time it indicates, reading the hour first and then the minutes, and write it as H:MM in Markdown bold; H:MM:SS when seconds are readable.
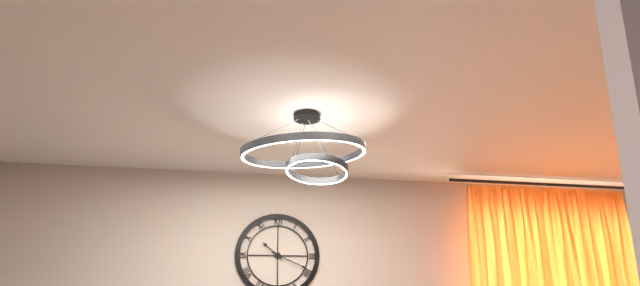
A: **10:19**
